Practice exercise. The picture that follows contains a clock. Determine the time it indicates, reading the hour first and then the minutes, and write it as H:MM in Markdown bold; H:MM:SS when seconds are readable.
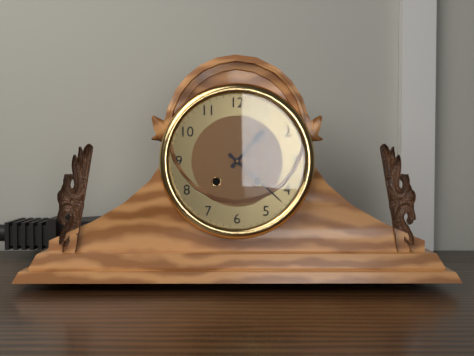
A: **1:22**
